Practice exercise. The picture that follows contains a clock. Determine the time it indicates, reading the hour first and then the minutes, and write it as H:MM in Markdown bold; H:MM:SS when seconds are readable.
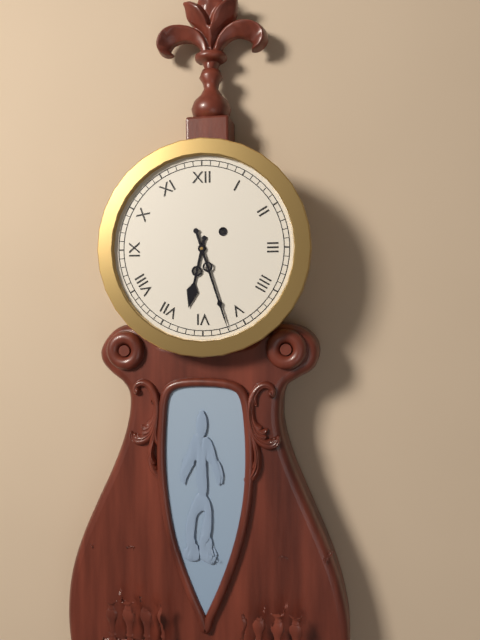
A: **6:27**
